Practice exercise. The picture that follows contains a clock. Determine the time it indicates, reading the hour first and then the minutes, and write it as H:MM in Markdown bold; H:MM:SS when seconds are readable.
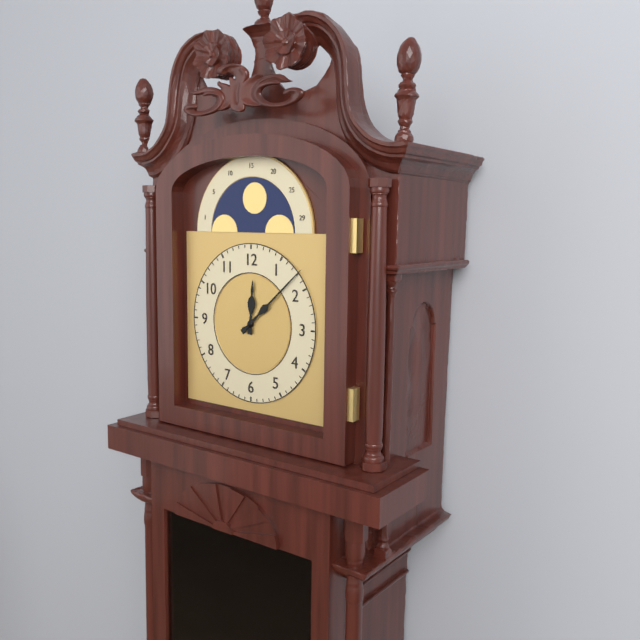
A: **12:08**
